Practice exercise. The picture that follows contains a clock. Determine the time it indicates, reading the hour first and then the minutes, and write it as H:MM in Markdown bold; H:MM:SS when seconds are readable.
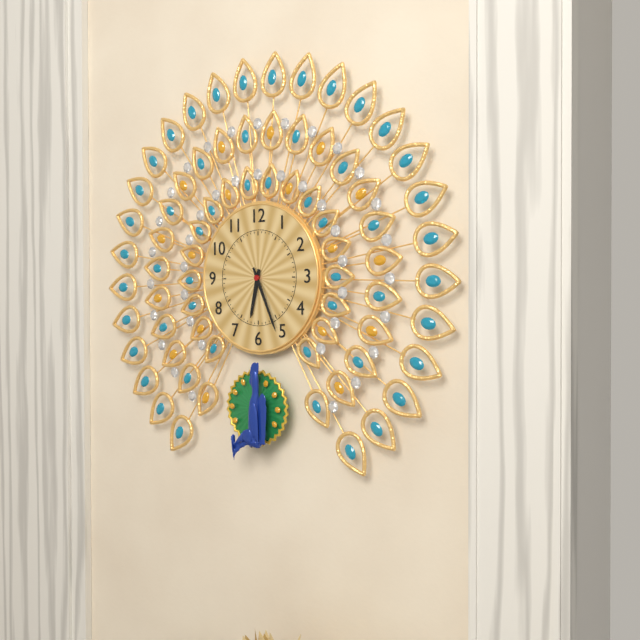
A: **6:26**
